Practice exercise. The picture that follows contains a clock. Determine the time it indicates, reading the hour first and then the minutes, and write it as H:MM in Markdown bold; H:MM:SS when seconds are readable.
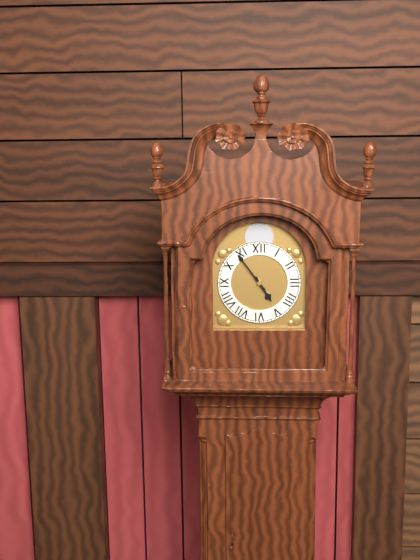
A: **4:54**
